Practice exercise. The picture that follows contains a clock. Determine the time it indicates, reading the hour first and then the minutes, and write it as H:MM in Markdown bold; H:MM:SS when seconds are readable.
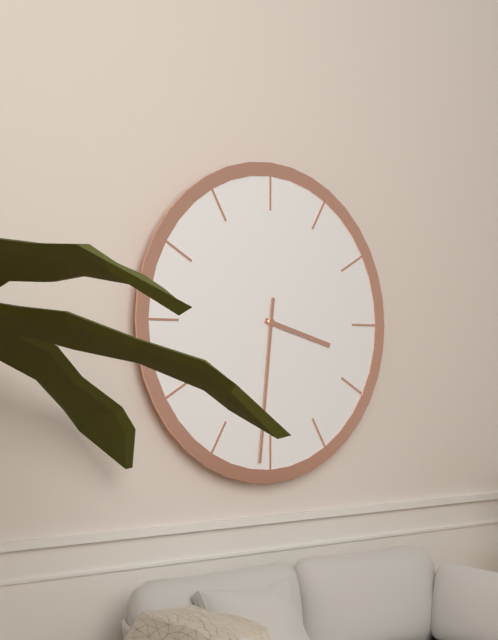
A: **3:31**
